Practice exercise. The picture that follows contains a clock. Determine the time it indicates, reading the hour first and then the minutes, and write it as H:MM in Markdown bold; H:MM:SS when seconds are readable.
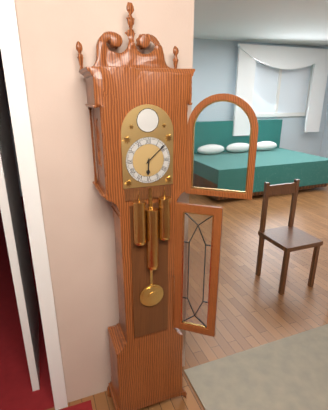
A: **6:08**
